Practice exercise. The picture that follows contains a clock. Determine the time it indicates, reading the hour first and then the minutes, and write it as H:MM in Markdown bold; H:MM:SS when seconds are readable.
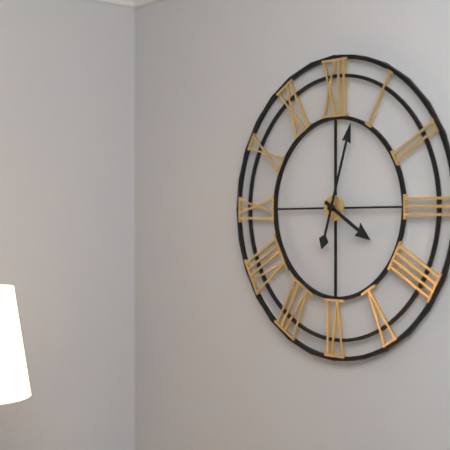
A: **4:03**
